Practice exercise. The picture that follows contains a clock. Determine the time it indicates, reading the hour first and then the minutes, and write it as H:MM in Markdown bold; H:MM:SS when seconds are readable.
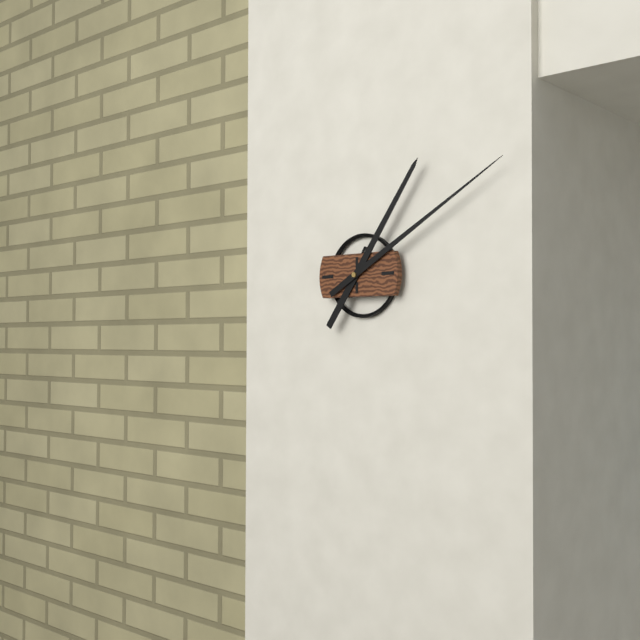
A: **1:10**
